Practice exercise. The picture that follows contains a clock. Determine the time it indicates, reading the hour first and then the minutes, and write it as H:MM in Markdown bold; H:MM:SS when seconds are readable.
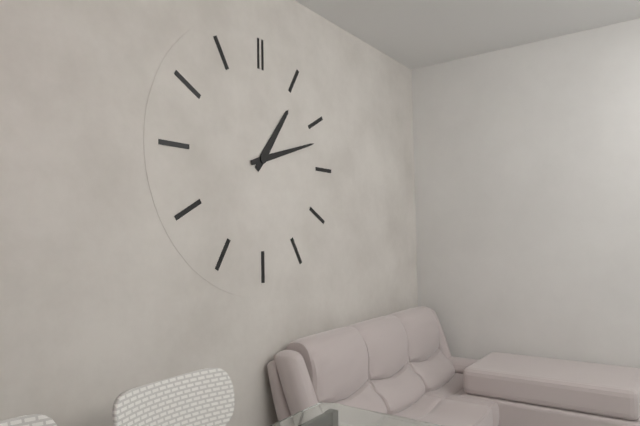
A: **1:12**
